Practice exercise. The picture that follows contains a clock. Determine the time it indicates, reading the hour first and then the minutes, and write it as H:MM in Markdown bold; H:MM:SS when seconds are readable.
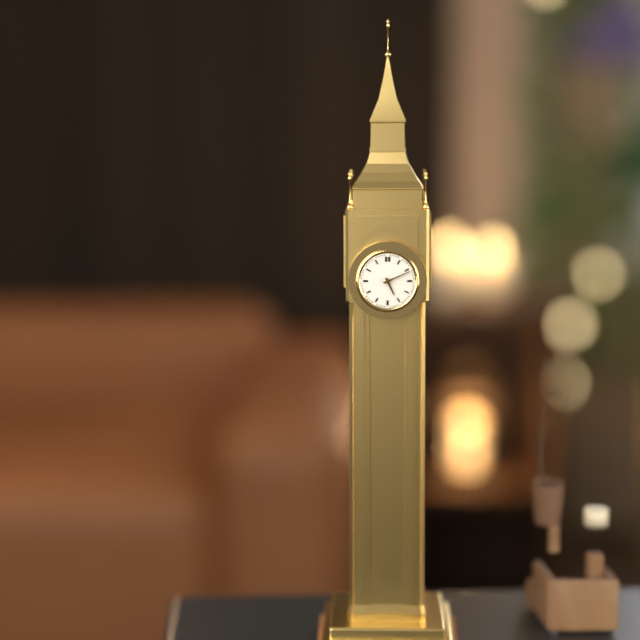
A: **5:11**
